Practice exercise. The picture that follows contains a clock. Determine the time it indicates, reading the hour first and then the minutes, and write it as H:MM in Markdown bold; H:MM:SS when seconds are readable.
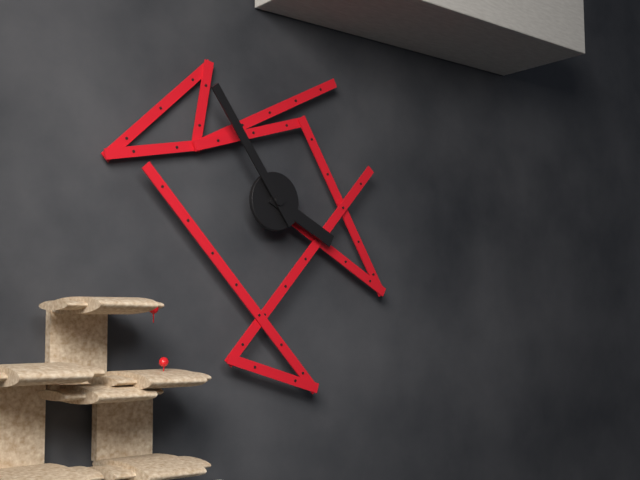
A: **3:54**
